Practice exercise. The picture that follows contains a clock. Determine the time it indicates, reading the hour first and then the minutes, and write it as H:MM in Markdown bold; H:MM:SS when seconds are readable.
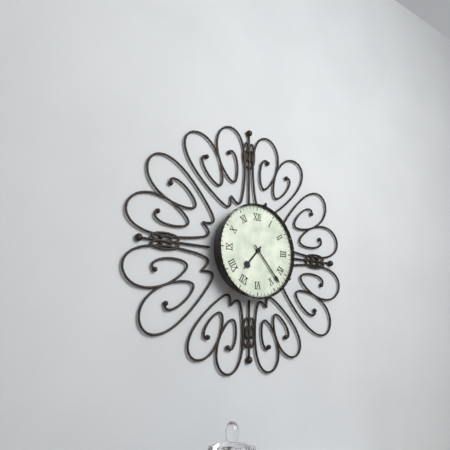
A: **7:23**
